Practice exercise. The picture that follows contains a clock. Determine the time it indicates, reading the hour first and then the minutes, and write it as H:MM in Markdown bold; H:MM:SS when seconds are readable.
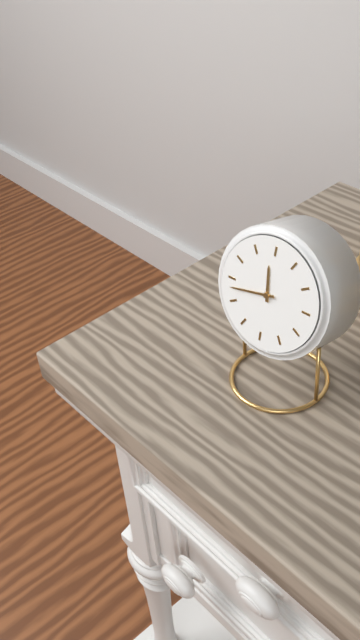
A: **11:43**
